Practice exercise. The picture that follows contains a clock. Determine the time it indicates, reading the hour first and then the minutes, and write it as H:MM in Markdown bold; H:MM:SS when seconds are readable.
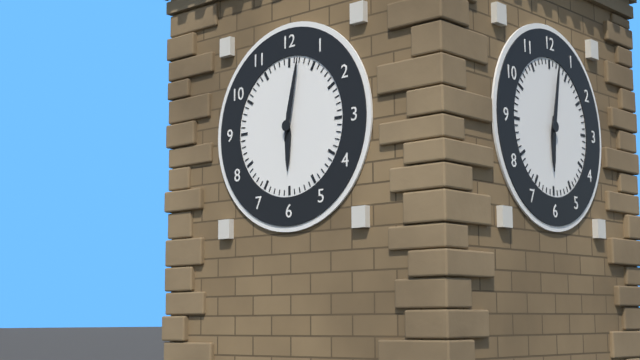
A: **6:02**
